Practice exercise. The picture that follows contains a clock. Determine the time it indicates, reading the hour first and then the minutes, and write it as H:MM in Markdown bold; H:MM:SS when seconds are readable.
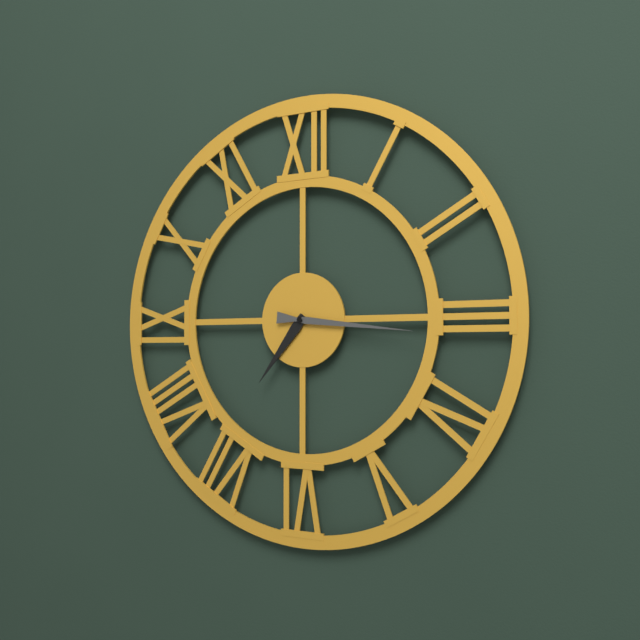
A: **7:16**
